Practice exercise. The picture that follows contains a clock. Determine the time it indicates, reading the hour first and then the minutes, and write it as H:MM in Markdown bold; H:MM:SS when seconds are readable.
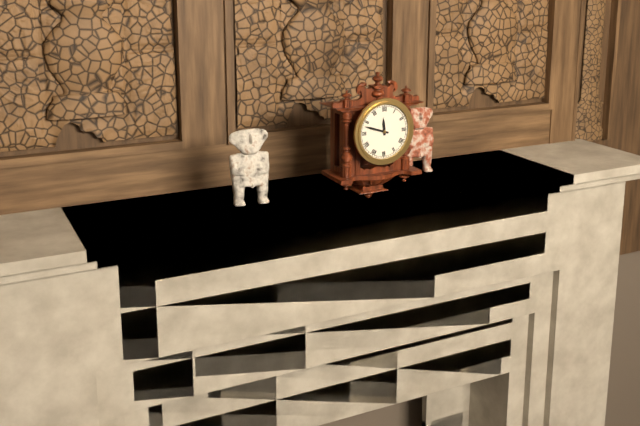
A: **11:48**
